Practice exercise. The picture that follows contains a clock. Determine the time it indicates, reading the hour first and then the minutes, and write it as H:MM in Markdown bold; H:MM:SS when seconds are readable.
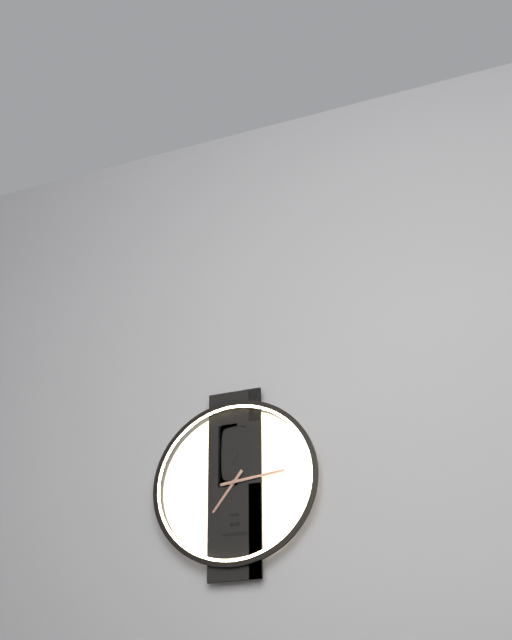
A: **7:14**
